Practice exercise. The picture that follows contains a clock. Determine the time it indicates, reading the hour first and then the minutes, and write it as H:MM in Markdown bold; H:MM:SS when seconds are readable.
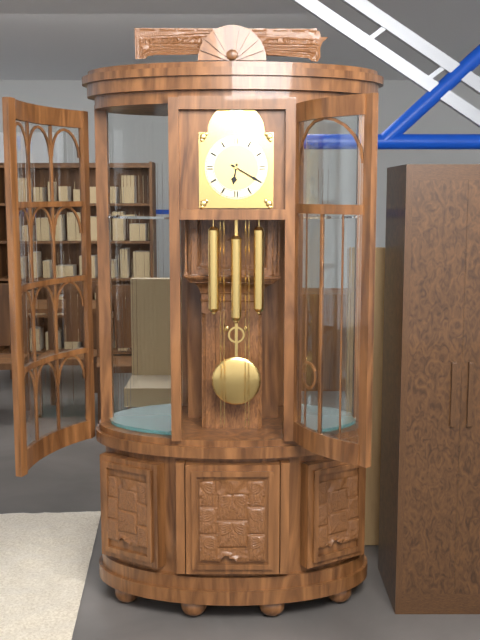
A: **6:20**
